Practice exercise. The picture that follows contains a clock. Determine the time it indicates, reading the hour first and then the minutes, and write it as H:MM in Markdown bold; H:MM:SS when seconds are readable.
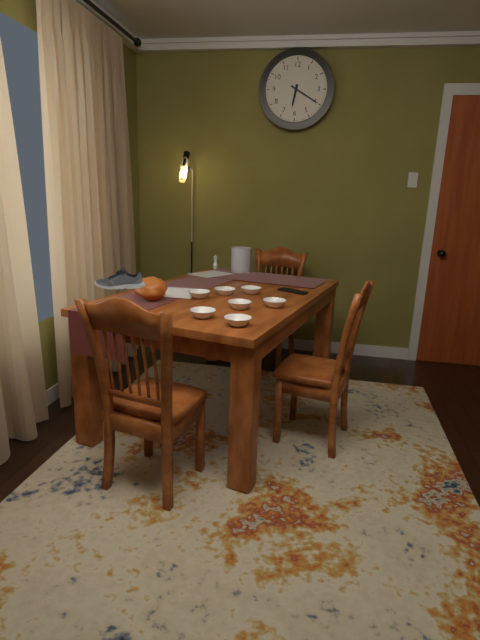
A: **6:20**
